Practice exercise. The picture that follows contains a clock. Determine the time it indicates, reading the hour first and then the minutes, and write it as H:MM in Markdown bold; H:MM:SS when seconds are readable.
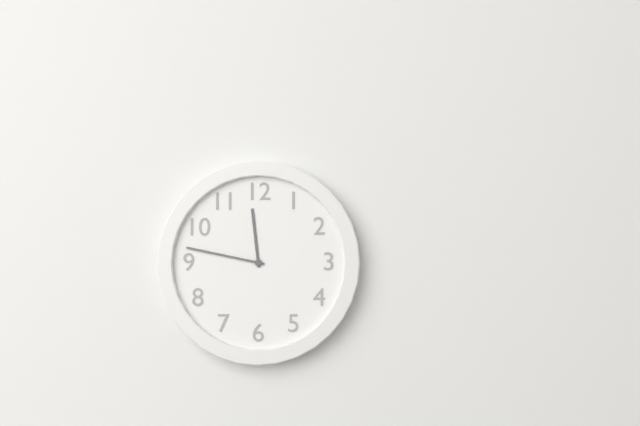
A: **11:47**
